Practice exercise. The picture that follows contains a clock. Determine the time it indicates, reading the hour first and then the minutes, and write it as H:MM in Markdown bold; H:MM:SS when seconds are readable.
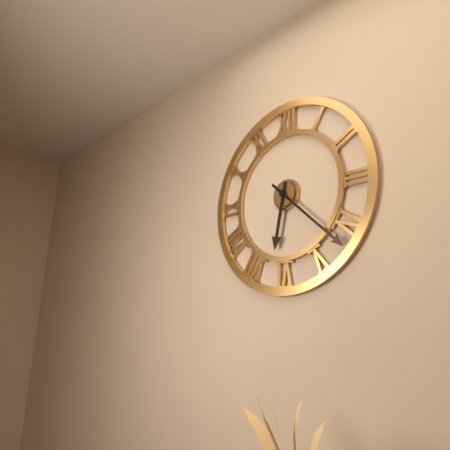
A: **6:22**
